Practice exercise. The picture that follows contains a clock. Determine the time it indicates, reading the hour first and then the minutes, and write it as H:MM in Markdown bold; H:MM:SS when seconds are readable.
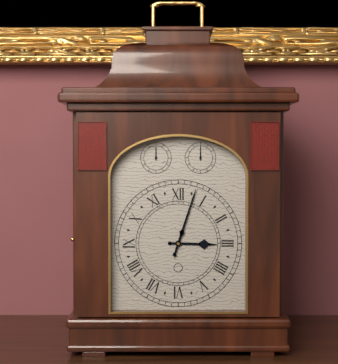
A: **3:03**
